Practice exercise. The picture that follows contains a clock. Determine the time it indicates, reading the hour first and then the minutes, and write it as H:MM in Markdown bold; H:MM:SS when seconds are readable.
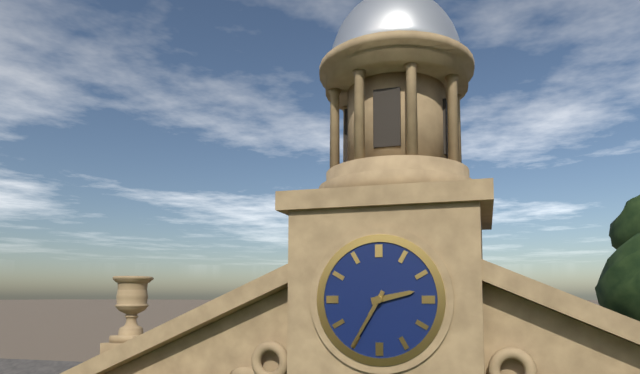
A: **2:35**
